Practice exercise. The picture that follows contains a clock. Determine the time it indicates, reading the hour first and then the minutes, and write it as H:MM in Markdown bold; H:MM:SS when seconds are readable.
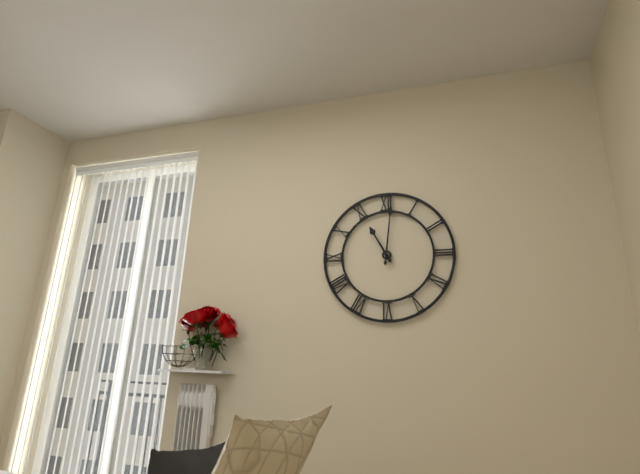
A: **11:01**
